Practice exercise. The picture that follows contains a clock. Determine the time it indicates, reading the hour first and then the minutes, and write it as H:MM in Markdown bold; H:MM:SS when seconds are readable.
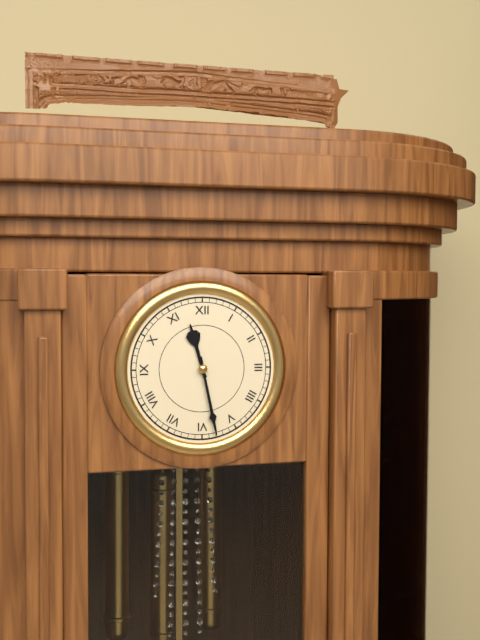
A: **11:28**
